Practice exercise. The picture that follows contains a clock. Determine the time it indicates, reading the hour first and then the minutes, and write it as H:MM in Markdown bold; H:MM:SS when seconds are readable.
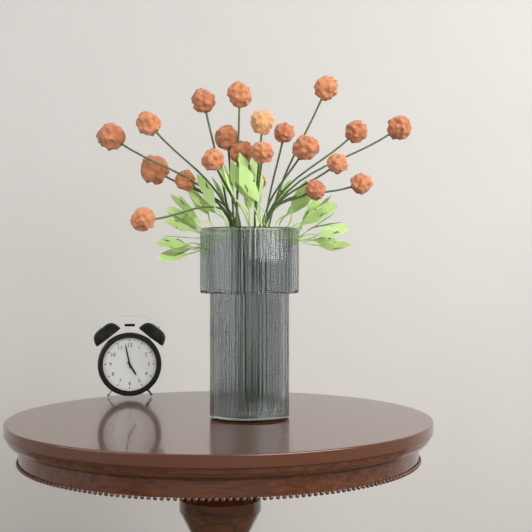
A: **4:58**
